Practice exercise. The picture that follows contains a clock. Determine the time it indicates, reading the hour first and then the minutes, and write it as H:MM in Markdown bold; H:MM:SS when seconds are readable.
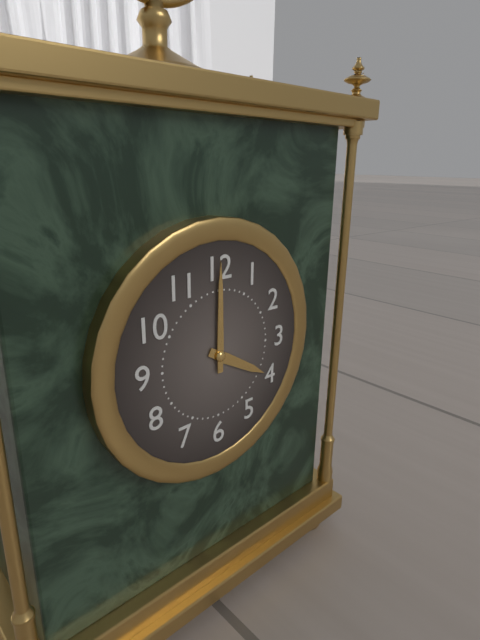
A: **4:00**
